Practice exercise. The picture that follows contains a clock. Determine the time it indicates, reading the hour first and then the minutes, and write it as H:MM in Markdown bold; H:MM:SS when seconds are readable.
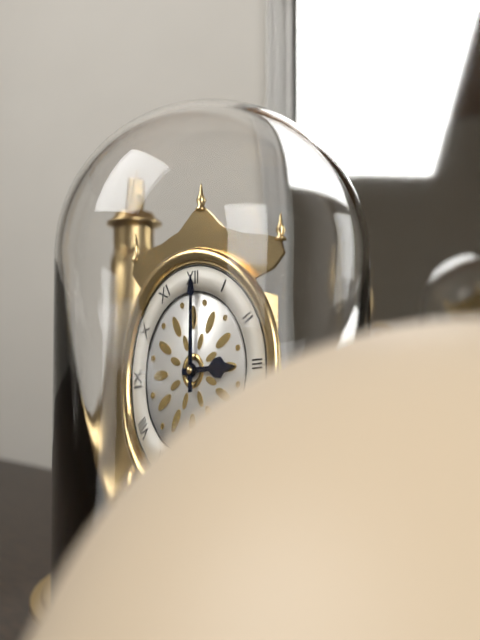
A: **3:00**
